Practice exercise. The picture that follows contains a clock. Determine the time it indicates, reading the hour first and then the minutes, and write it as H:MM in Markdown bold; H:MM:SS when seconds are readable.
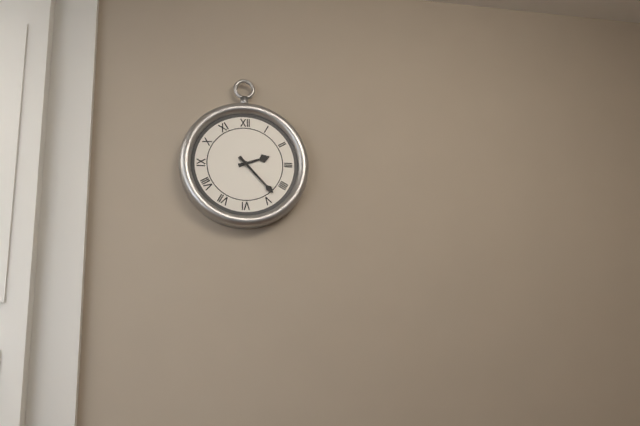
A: **2:23**
